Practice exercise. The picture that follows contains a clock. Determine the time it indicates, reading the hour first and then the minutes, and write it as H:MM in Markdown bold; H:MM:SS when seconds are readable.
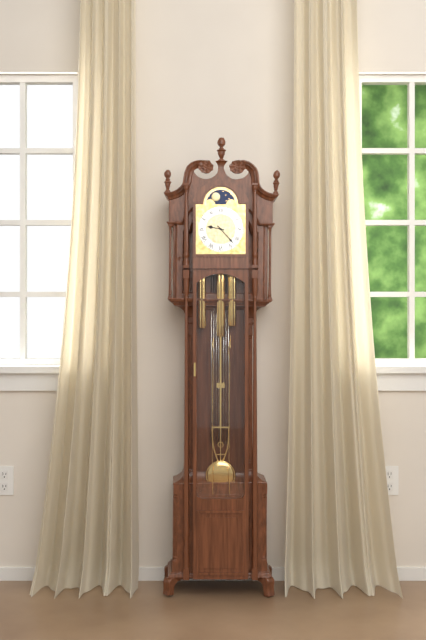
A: **9:23**
